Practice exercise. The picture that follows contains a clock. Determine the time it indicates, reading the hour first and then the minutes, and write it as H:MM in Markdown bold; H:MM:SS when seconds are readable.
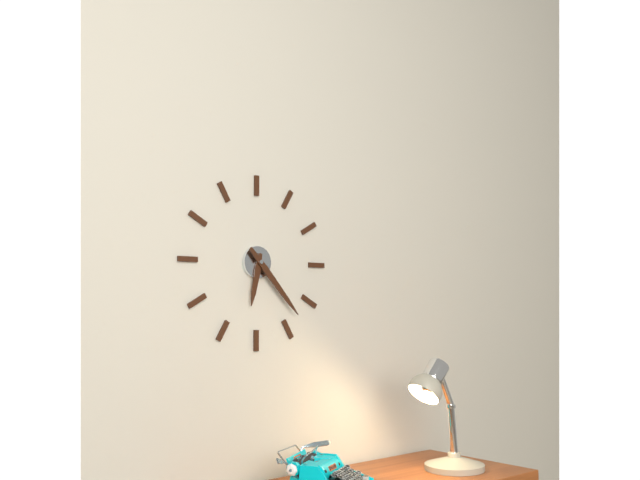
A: **6:23**
